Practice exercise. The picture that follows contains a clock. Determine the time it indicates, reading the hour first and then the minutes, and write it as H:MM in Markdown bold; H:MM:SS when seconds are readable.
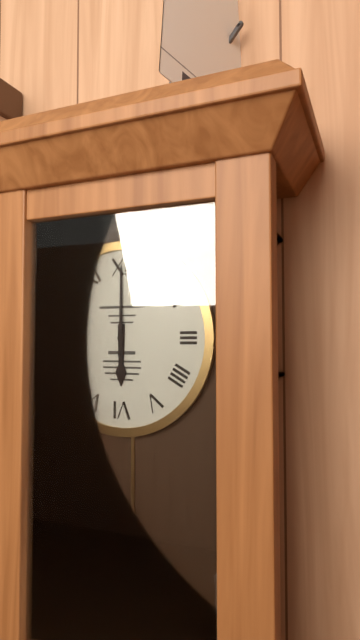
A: **6:00**
